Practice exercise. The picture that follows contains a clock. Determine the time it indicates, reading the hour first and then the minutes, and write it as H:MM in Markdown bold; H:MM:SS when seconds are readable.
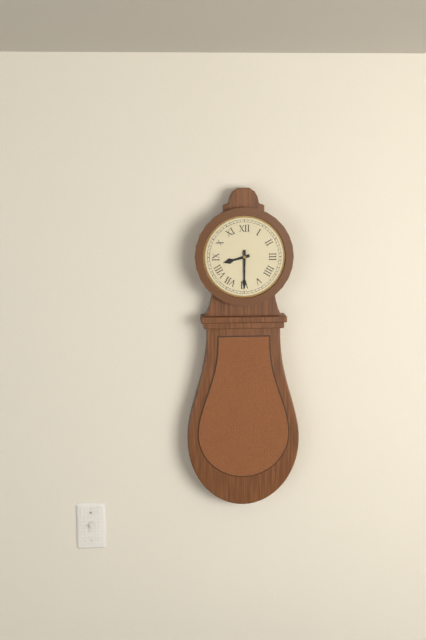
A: **8:30**
